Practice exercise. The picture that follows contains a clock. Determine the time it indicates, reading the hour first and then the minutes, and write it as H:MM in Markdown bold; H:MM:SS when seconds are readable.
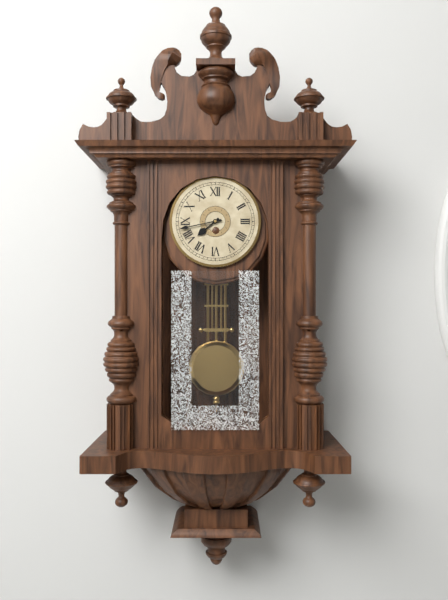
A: **7:43**
